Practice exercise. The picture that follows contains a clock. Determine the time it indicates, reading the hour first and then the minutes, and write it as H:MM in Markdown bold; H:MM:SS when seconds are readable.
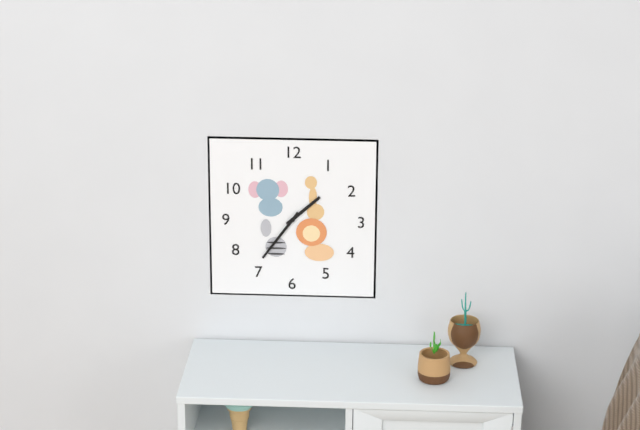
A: **1:36**
